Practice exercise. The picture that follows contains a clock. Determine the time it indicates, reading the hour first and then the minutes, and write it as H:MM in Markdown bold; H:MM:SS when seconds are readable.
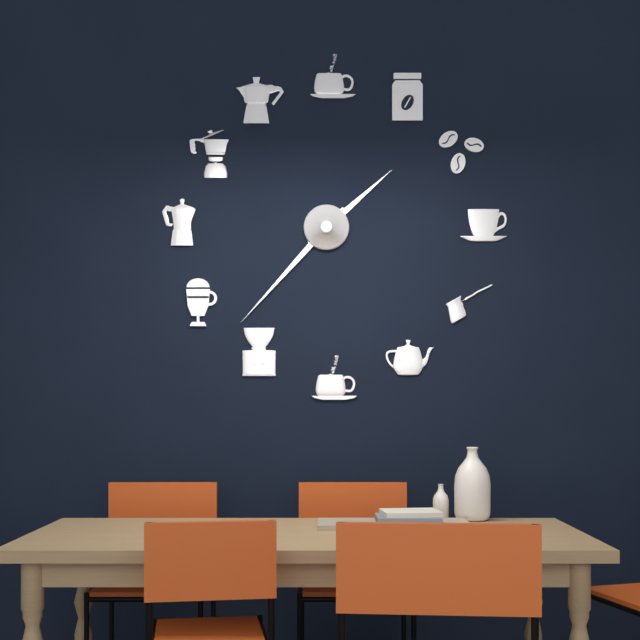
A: **1:37**
